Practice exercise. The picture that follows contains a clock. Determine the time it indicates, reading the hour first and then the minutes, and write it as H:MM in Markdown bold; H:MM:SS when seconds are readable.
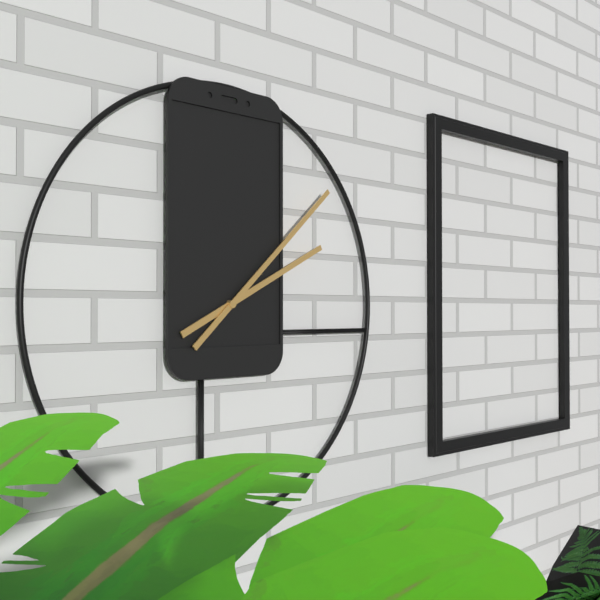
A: **2:08**
